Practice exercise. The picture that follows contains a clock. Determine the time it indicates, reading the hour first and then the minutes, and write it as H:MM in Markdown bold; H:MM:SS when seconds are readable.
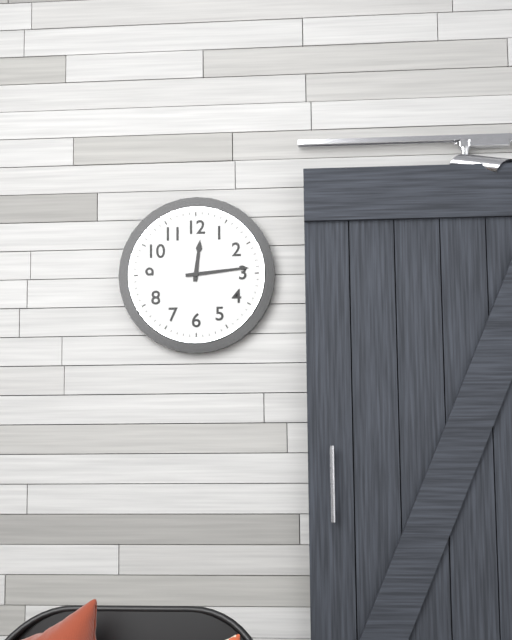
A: **12:14**
